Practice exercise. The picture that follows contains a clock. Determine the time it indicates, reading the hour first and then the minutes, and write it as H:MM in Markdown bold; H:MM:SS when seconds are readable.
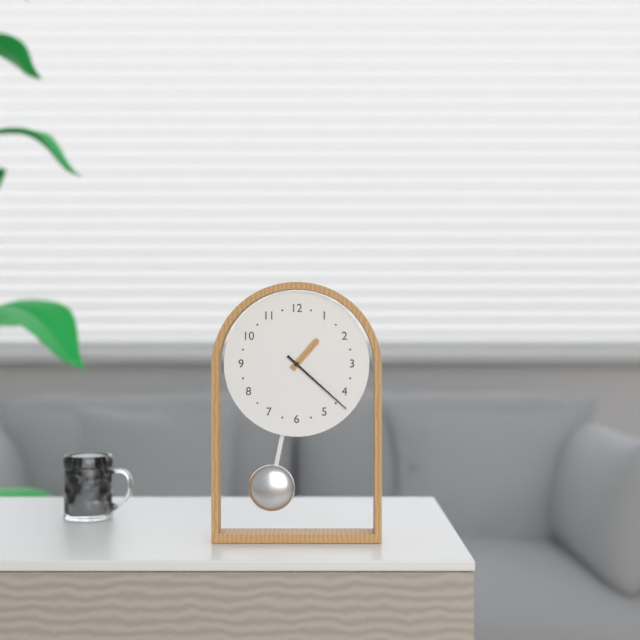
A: **1:22**
